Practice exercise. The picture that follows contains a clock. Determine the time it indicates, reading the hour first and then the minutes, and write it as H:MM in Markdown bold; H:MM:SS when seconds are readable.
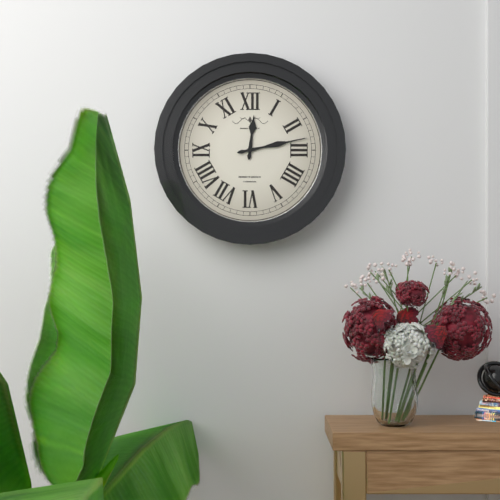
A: **12:13**
